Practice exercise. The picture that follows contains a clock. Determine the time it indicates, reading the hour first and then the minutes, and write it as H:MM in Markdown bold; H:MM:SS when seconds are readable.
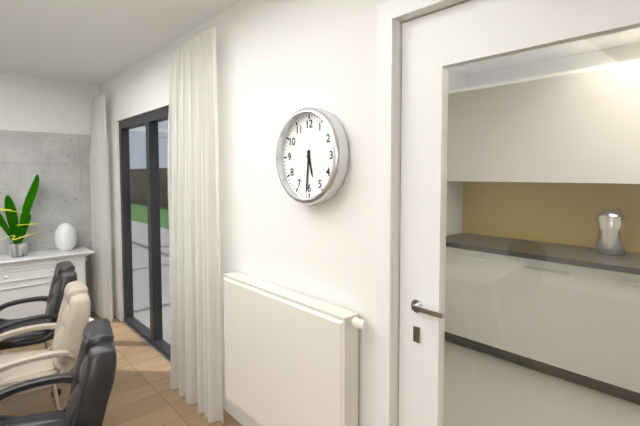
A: **5:31**
